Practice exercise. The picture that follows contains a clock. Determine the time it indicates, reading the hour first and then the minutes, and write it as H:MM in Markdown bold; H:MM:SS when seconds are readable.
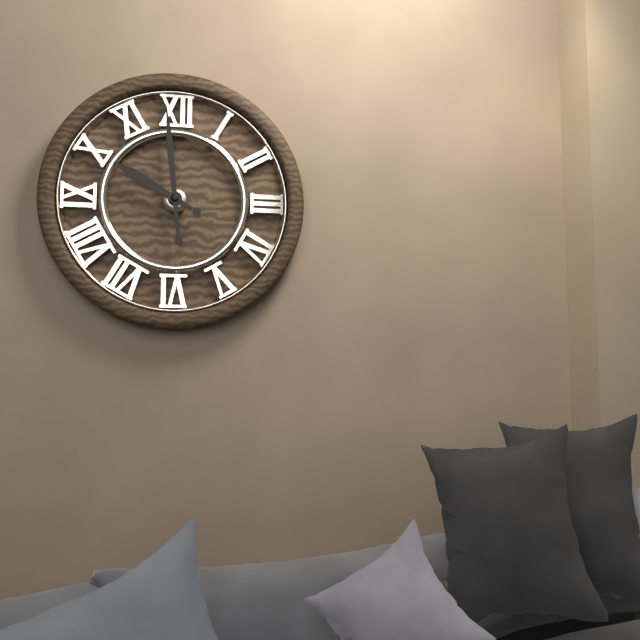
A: **9:59**
